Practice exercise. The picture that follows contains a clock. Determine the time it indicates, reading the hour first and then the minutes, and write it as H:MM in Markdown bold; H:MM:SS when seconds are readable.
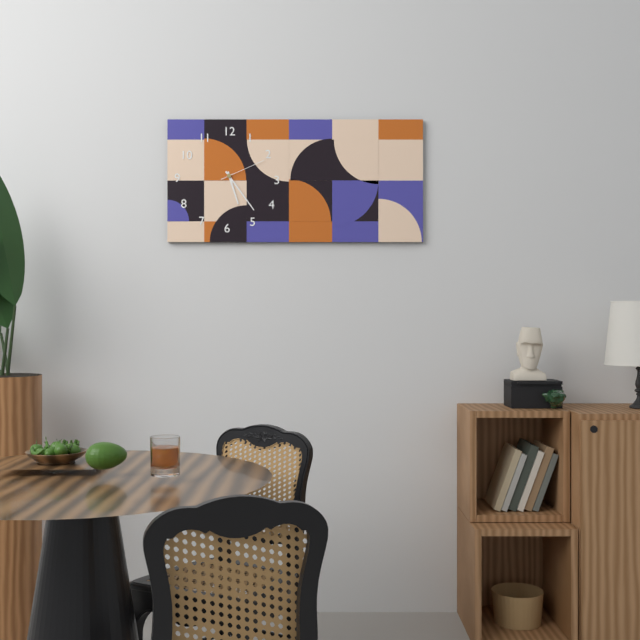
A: **5:24**
